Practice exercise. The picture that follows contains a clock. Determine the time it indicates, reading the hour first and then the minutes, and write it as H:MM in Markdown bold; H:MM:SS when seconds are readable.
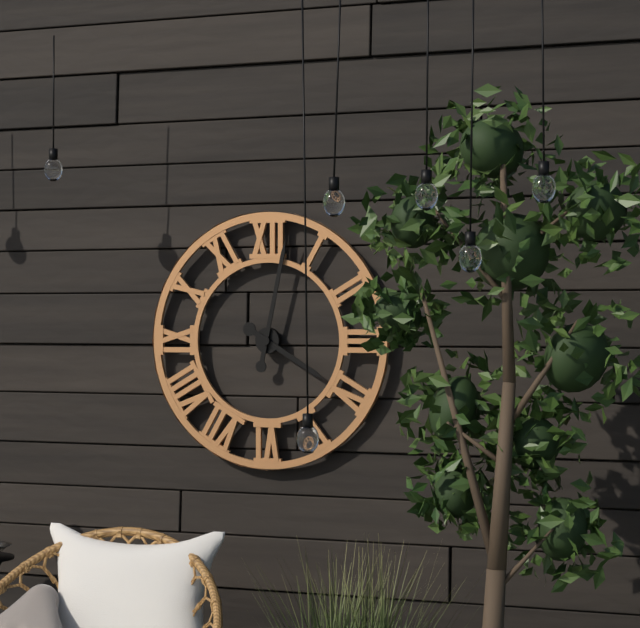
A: **4:02**
